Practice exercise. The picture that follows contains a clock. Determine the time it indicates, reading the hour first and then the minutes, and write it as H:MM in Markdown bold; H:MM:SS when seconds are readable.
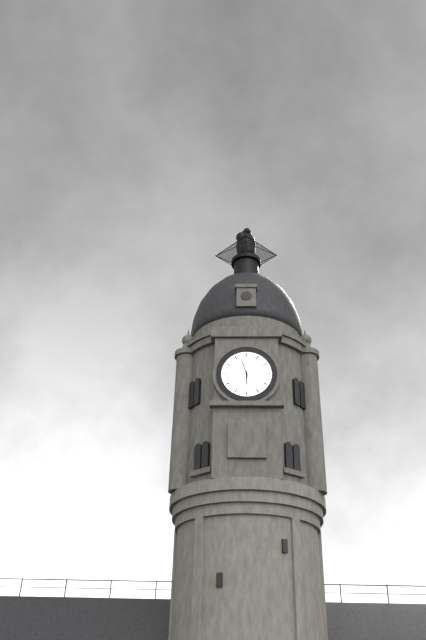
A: **5:57**
